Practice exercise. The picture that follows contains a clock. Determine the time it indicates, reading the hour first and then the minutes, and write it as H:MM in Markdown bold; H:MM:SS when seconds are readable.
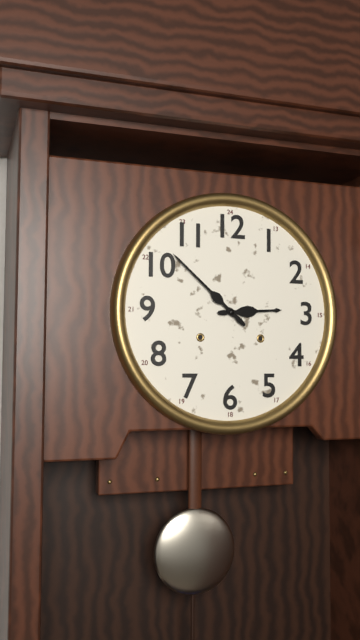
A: **2:52**
